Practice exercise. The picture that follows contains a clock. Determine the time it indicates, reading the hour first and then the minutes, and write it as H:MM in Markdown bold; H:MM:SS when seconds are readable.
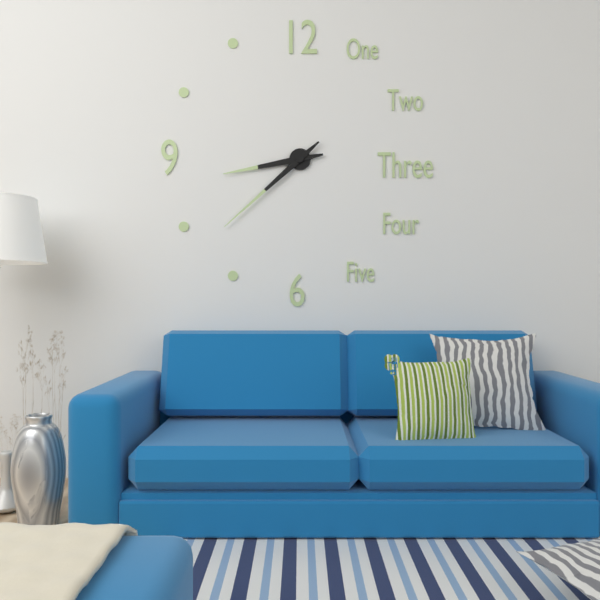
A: **8:38**
